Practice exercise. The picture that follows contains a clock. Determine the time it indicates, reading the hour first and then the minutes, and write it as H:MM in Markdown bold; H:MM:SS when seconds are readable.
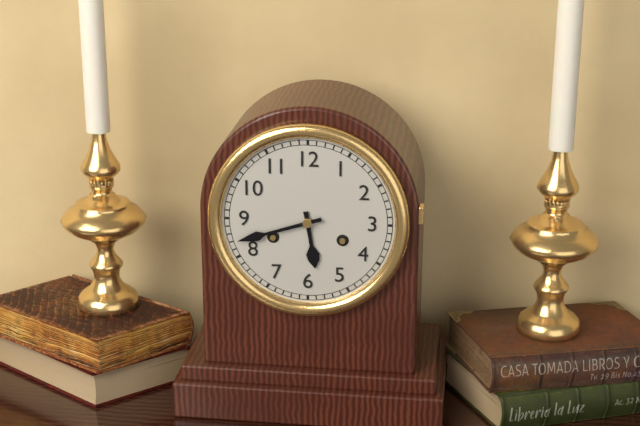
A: **5:42**
